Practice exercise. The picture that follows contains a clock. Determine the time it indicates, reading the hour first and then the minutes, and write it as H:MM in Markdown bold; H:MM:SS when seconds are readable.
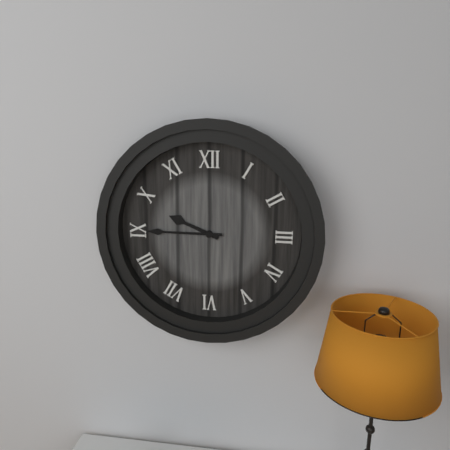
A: **9:45**
